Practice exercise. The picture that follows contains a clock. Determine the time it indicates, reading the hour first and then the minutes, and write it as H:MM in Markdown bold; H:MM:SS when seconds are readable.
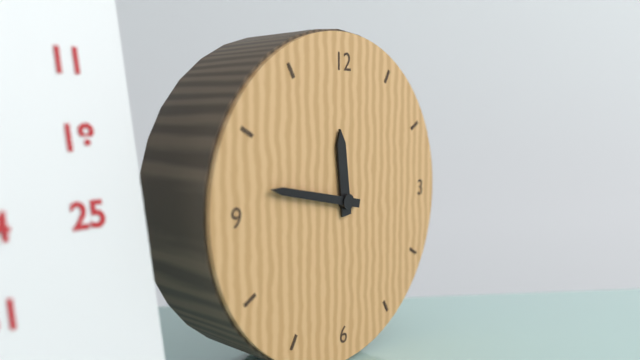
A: **11:47**
